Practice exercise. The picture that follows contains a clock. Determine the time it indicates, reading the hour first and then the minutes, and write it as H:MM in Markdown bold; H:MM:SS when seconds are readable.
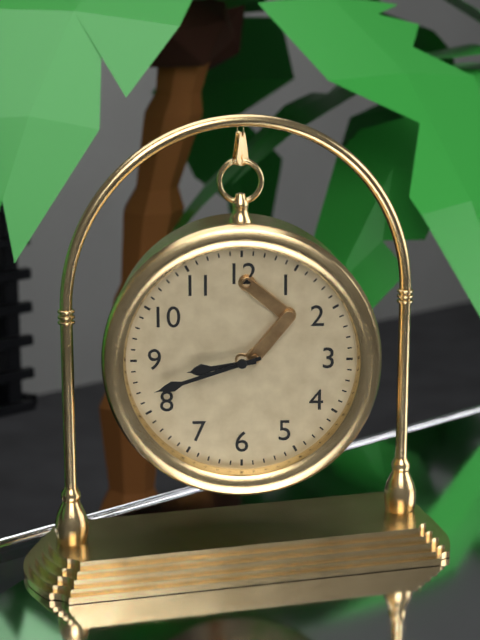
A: **8:42**
